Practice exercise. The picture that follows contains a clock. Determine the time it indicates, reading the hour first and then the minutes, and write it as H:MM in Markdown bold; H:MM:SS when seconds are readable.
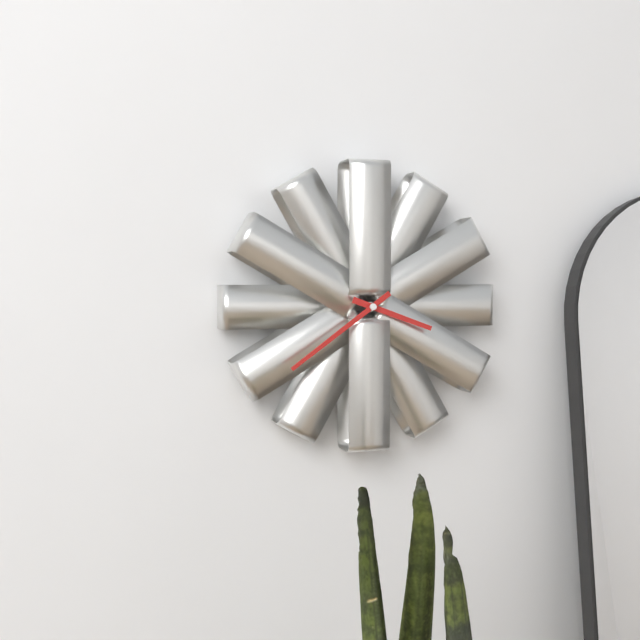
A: **3:39**
